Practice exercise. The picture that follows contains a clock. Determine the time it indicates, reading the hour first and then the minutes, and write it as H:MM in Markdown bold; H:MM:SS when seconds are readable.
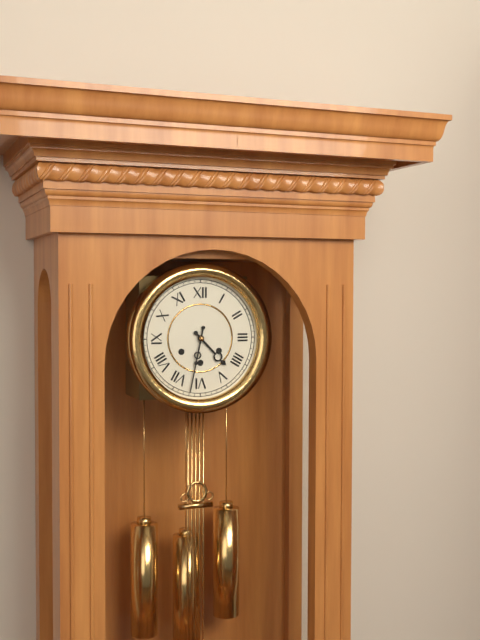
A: **4:32**
